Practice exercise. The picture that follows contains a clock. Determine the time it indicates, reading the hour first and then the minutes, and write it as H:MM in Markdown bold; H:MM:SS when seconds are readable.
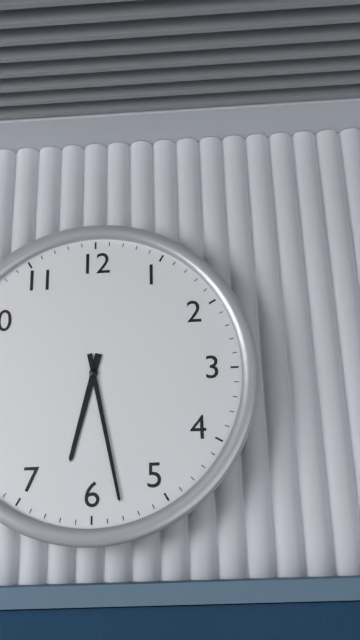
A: **6:28**
